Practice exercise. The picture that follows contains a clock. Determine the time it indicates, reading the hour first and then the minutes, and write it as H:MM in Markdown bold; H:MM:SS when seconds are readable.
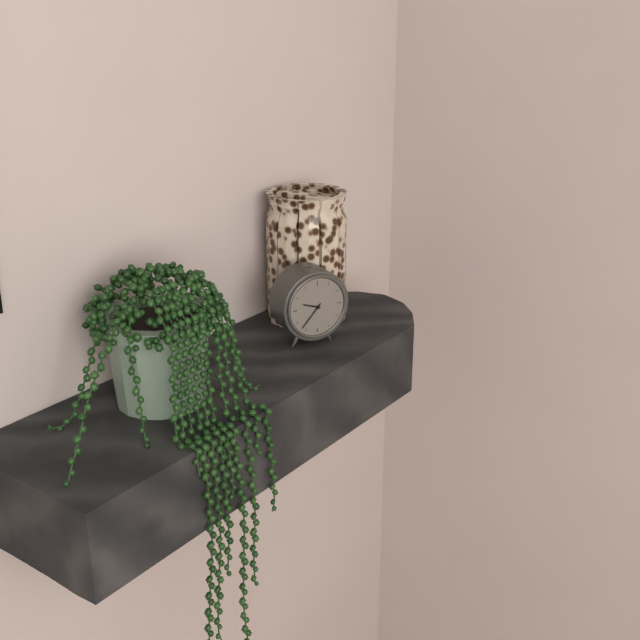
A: **9:37**
